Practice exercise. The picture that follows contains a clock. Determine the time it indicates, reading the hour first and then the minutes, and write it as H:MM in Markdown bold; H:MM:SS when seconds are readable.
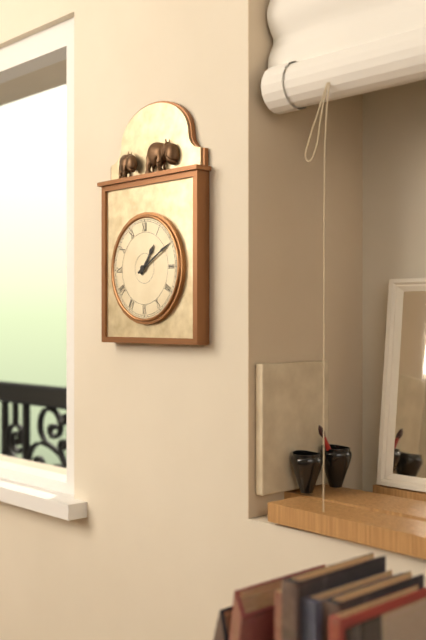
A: **1:10**
